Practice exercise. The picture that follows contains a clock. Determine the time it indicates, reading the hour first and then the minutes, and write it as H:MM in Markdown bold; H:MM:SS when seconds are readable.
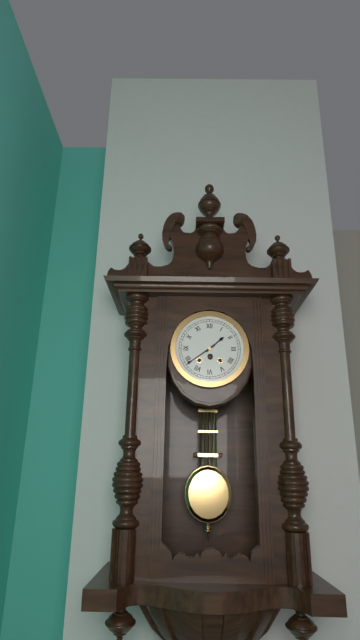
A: **1:39**
